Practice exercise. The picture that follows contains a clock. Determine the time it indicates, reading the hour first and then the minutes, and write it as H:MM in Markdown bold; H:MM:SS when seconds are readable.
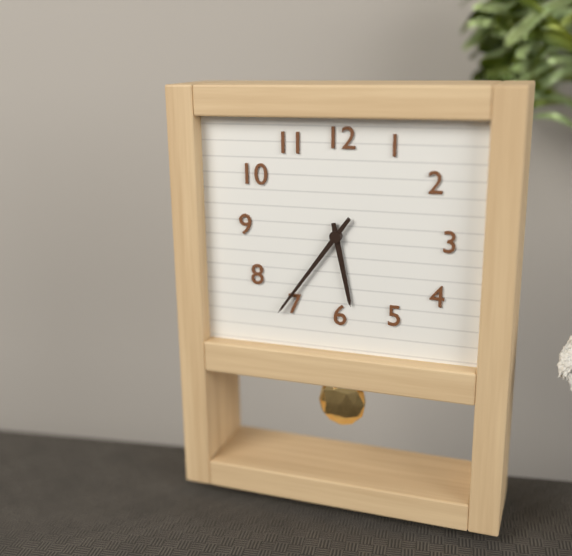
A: **5:36**
